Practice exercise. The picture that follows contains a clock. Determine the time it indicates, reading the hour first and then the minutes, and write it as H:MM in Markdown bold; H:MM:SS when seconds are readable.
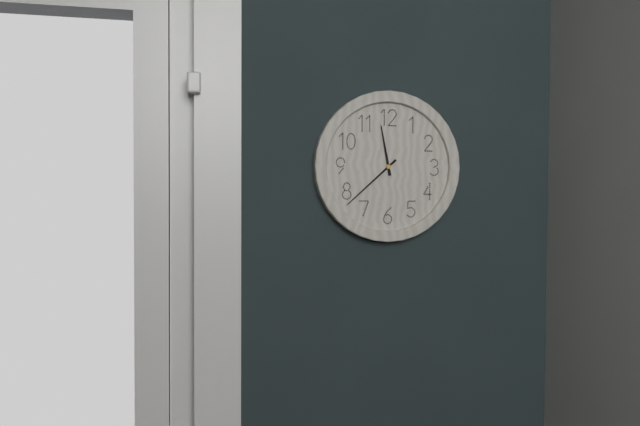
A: **11:38**
